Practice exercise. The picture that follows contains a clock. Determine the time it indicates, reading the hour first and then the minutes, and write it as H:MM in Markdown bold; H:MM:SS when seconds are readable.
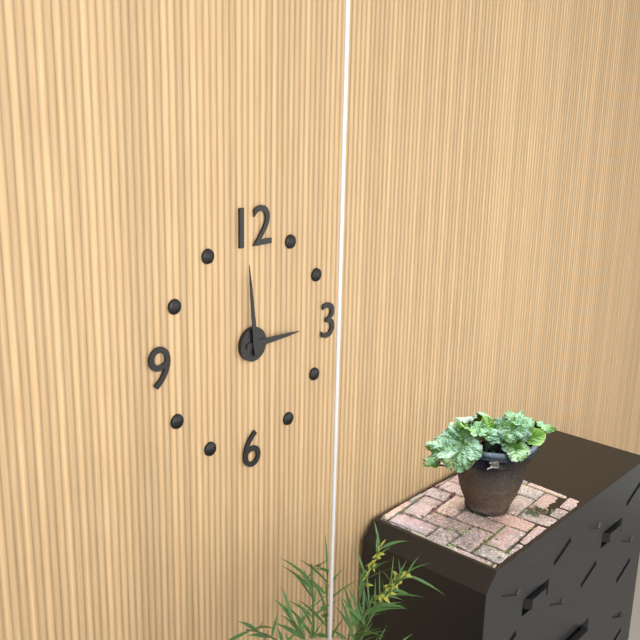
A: **2:59**
